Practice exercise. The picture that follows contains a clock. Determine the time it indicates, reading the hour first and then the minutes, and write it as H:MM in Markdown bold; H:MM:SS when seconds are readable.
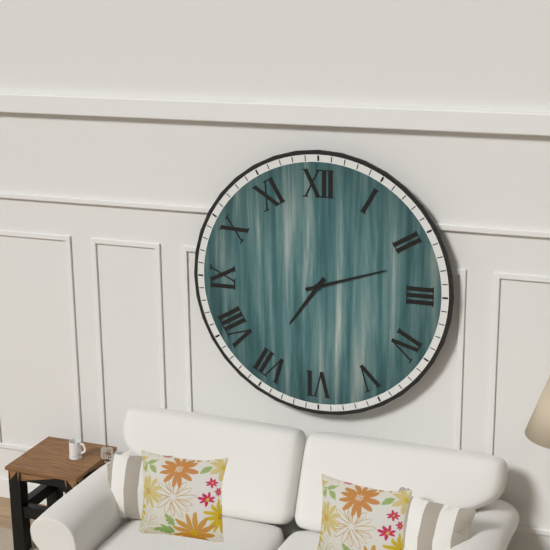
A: **7:12**
